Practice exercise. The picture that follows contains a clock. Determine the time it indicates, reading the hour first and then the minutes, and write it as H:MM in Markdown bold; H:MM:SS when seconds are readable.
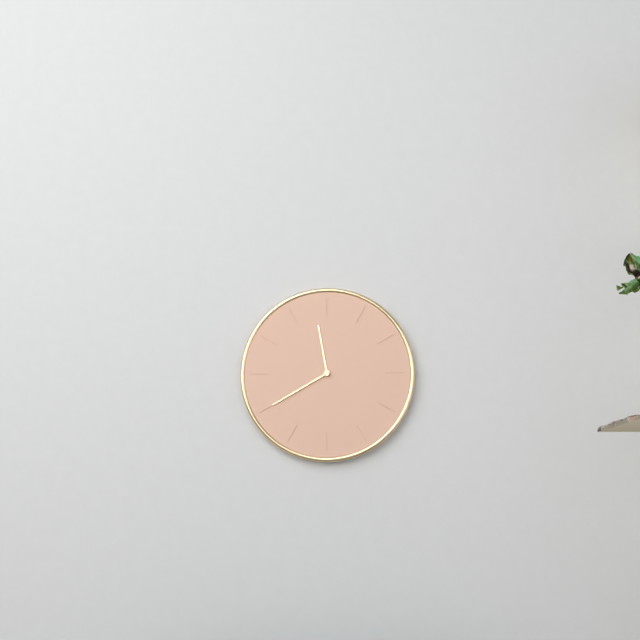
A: **11:40**
